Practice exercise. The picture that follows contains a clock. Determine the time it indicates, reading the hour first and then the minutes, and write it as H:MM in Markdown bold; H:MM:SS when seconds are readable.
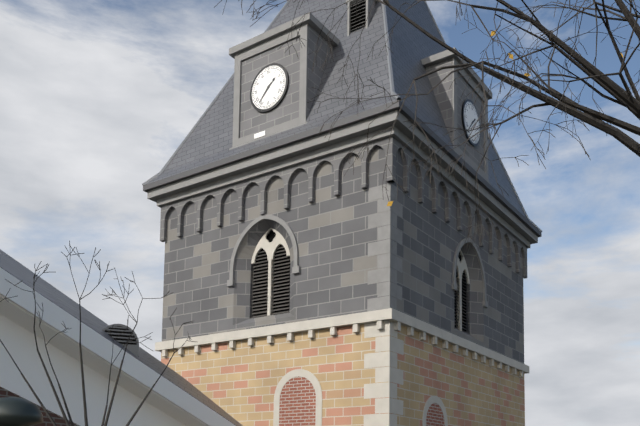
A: **1:37**
